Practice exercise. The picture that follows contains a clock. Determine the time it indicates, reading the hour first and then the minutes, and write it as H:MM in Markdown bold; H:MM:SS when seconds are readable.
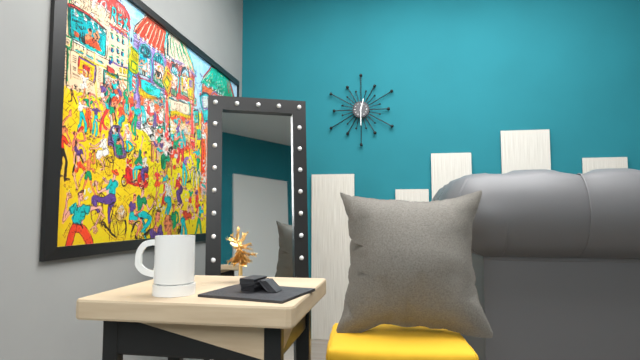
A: **12:30**
